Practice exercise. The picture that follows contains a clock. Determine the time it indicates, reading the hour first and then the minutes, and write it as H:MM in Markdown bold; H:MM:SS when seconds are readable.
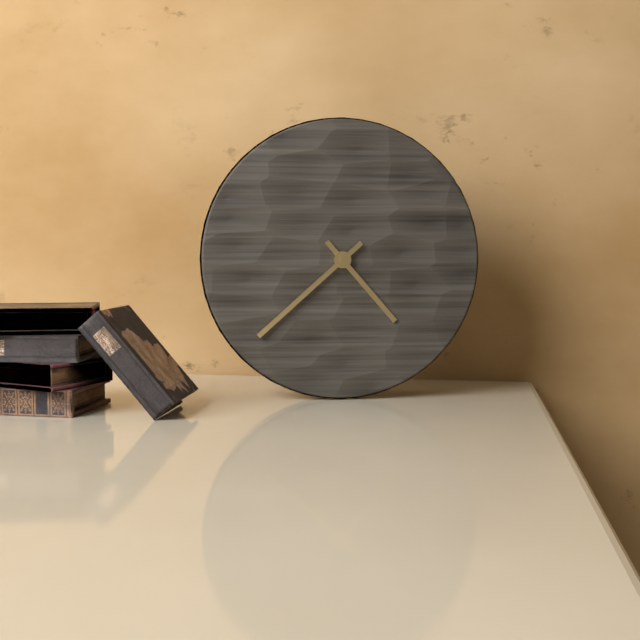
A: **4:38**
